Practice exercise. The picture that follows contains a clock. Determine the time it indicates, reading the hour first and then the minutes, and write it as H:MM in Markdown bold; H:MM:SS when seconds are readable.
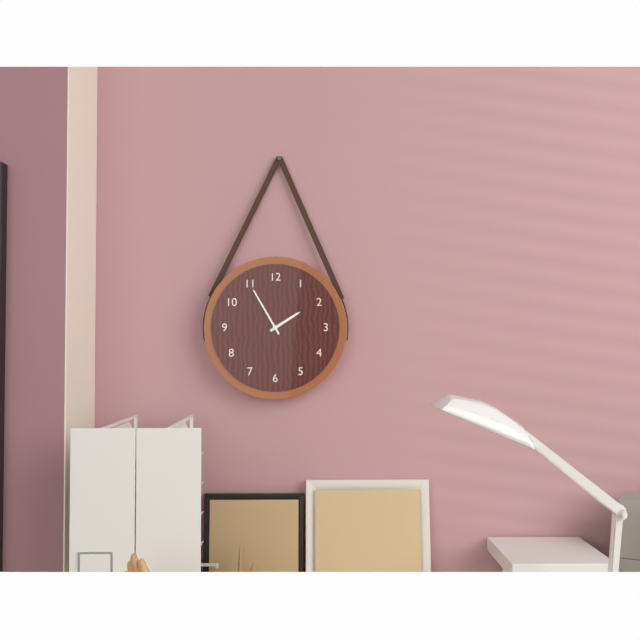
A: **1:55**
